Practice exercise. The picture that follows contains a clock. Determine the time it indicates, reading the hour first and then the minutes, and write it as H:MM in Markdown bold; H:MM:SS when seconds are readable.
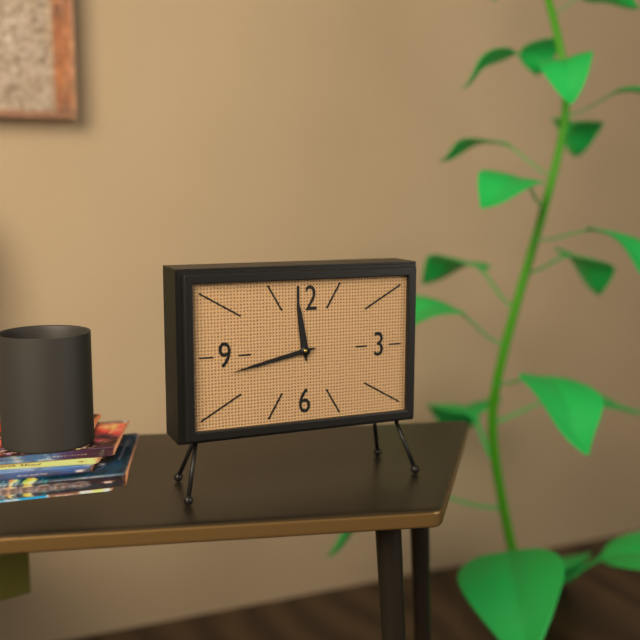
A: **11:43**
